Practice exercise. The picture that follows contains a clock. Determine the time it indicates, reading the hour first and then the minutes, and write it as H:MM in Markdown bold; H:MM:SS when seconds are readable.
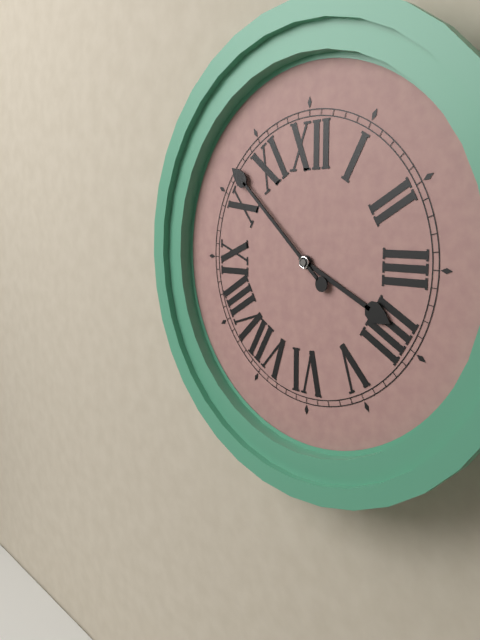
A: **3:52**
